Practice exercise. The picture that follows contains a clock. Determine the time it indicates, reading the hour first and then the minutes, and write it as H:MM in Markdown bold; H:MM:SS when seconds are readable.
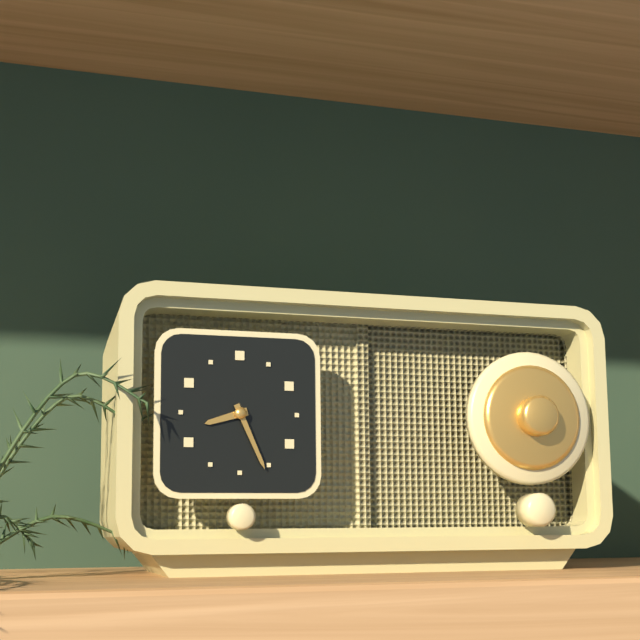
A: **8:26**
